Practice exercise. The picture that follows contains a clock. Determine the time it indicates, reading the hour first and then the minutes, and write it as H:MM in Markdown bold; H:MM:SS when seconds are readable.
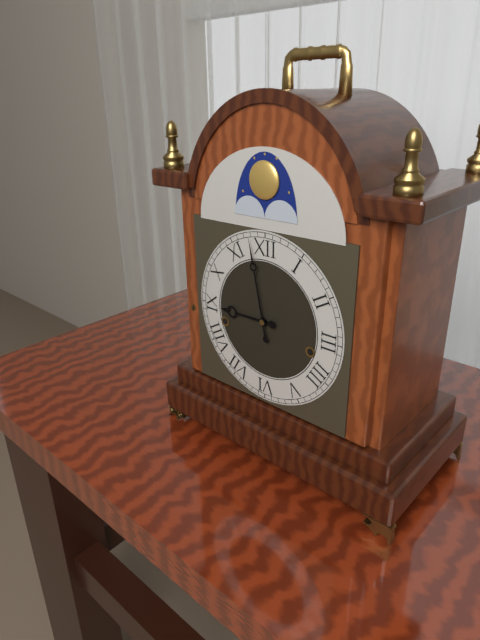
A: **8:58**
